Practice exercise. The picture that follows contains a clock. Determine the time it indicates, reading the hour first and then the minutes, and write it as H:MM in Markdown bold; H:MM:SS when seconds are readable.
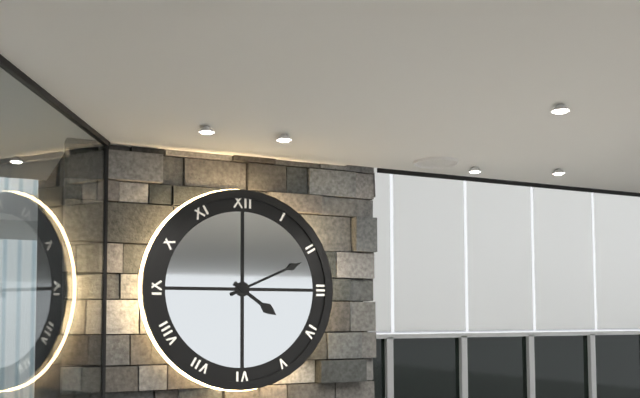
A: **4:11**
